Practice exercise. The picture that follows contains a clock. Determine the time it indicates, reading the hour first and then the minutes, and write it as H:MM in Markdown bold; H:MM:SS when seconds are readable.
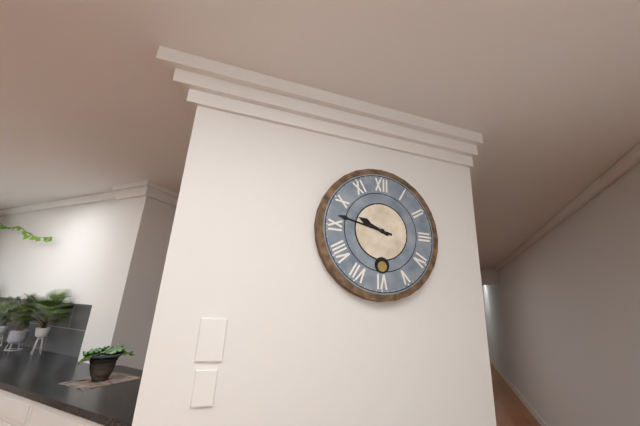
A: **9:47**
